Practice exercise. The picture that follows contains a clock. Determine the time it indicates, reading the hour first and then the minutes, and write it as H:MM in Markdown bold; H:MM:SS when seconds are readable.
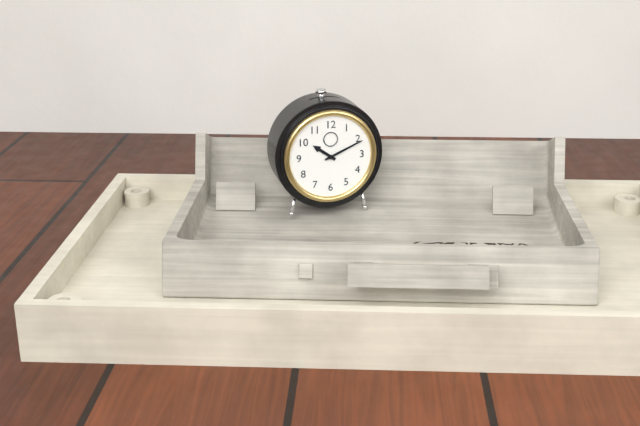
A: **10:11**
